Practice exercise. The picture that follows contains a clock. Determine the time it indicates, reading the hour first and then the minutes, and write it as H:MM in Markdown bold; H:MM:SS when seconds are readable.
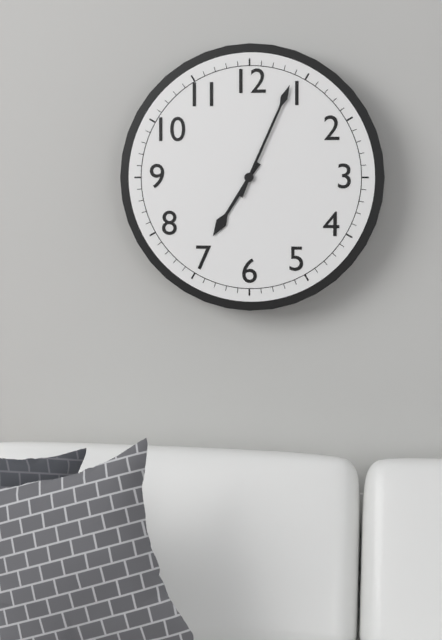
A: **7:04**
